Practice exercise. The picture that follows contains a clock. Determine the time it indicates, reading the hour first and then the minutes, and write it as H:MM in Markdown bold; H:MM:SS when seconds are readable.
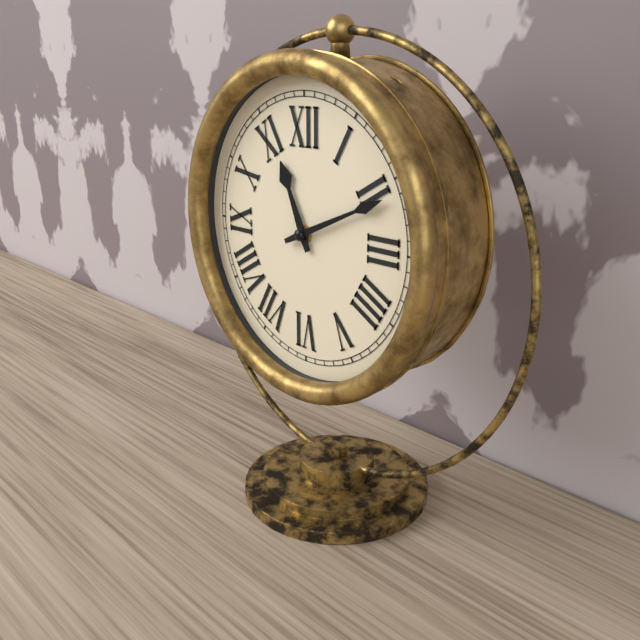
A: **11:11**
